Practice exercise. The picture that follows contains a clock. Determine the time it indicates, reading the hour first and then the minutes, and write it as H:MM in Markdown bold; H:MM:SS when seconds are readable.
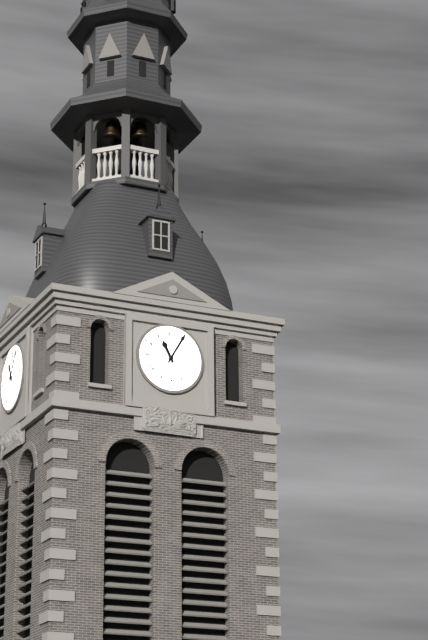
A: **11:05**
